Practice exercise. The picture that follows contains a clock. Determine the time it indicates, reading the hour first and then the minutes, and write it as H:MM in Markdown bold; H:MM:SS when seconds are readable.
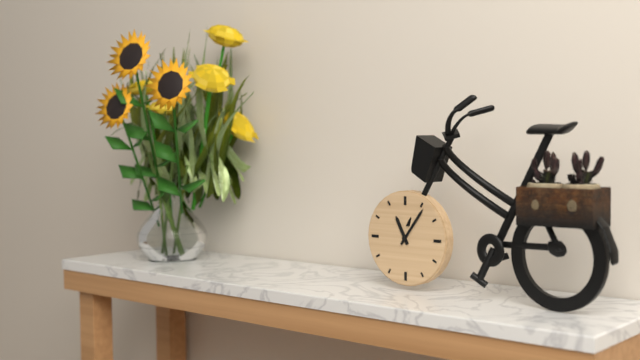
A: **11:06**
